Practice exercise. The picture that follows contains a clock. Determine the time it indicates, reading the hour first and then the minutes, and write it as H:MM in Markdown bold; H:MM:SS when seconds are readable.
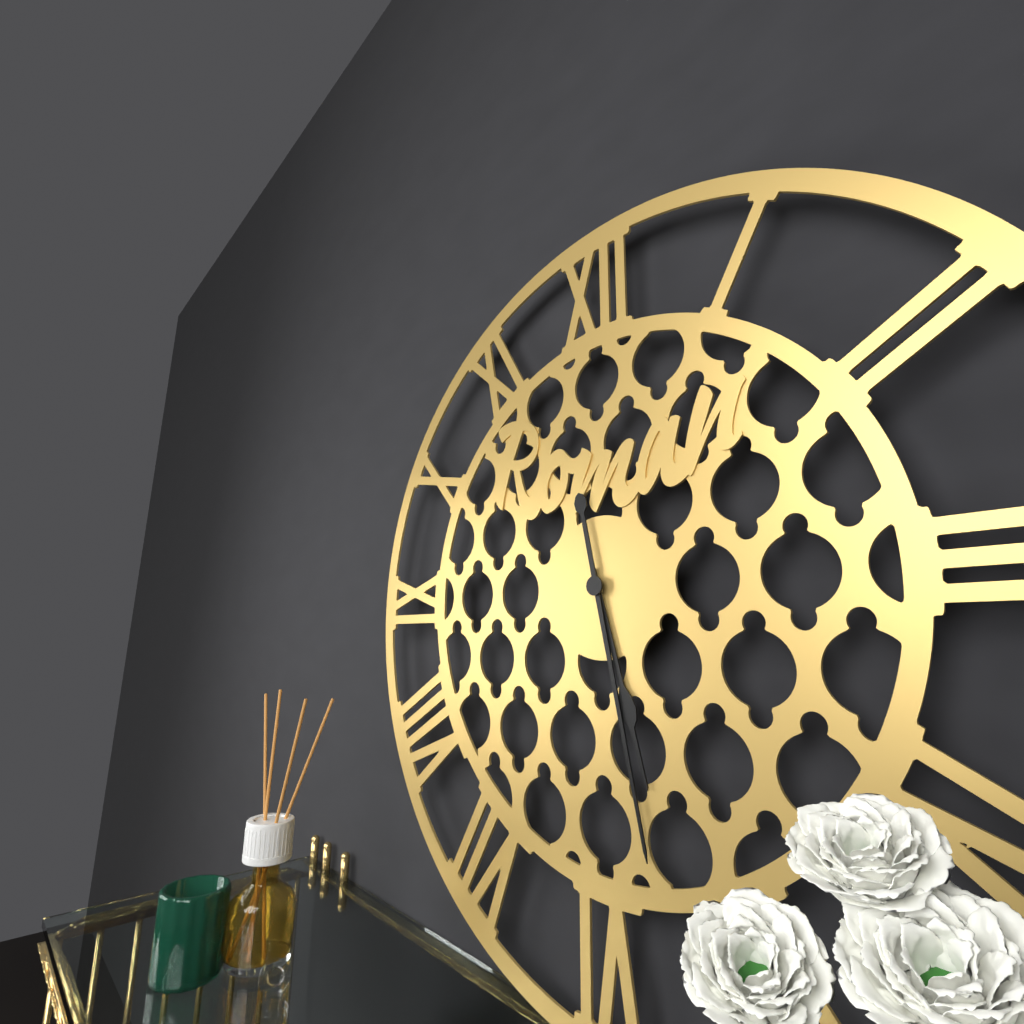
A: **5:28**
